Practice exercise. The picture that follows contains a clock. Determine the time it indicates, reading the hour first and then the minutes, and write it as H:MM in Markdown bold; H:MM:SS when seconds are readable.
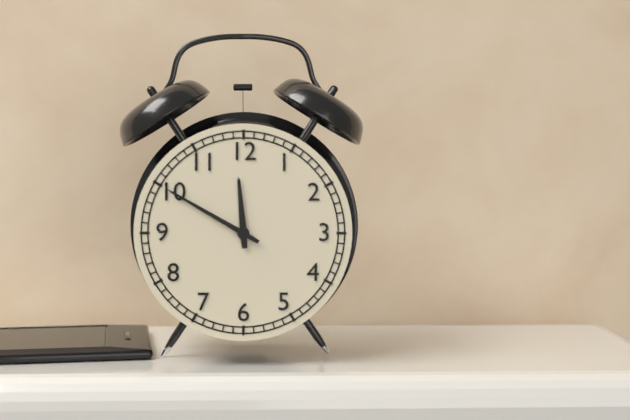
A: **11:50**
